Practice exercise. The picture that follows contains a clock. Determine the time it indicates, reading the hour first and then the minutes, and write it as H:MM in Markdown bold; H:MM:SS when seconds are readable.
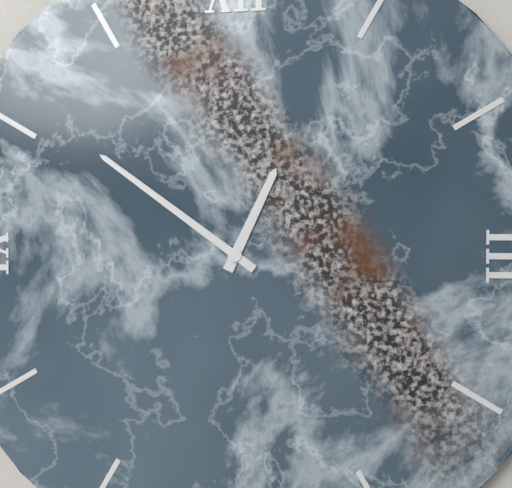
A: **12:51**
